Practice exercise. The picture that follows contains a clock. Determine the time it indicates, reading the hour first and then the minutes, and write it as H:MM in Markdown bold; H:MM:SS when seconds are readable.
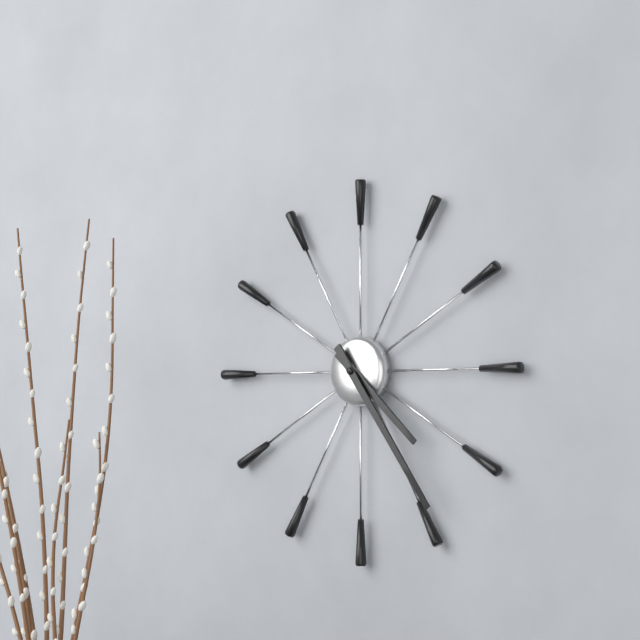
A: **4:24**
